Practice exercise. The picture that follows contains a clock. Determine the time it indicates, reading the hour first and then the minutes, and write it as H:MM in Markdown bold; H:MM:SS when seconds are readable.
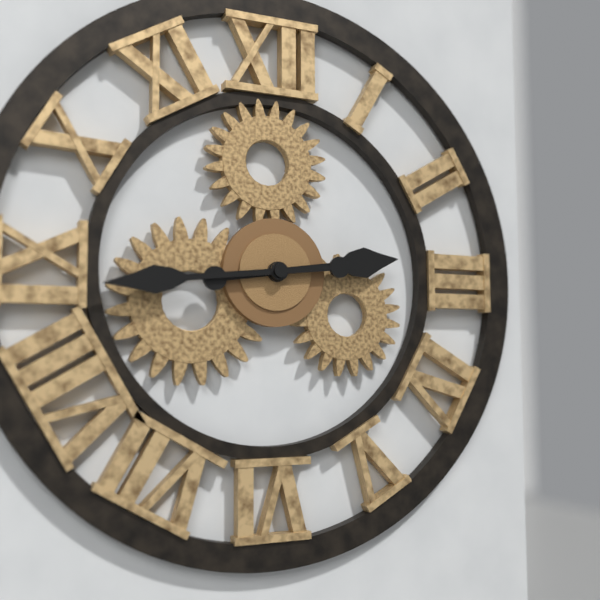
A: **2:44**
